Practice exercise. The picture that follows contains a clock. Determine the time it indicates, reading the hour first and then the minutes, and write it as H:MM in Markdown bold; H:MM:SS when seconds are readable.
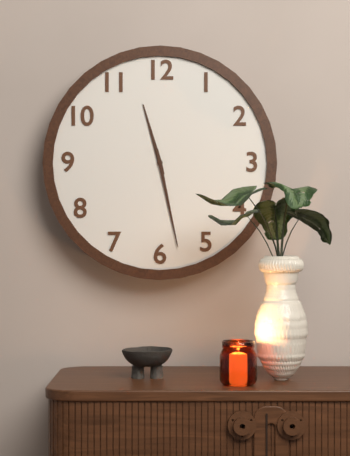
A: **11:28**
